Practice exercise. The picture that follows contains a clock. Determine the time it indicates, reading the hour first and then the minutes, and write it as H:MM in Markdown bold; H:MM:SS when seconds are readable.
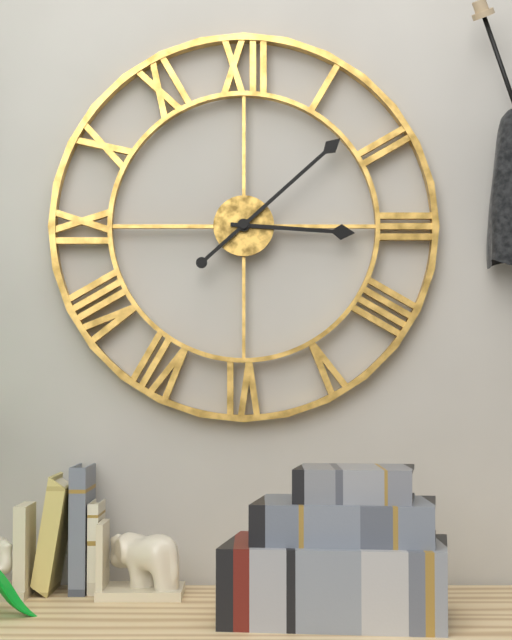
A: **3:08**
